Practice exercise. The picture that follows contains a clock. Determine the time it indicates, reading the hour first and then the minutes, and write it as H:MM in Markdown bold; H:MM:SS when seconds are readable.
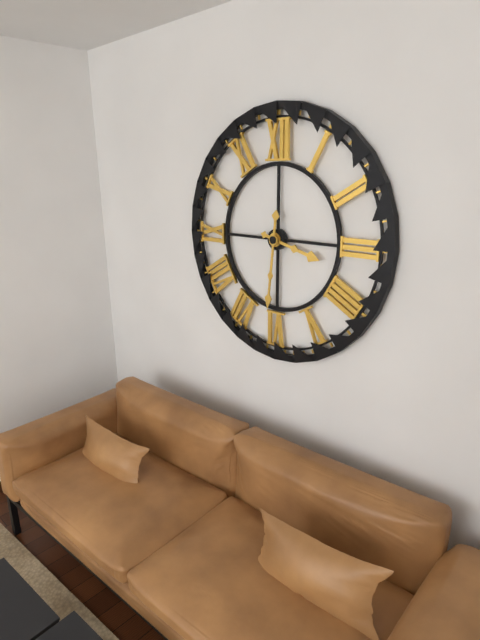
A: **3:31**
